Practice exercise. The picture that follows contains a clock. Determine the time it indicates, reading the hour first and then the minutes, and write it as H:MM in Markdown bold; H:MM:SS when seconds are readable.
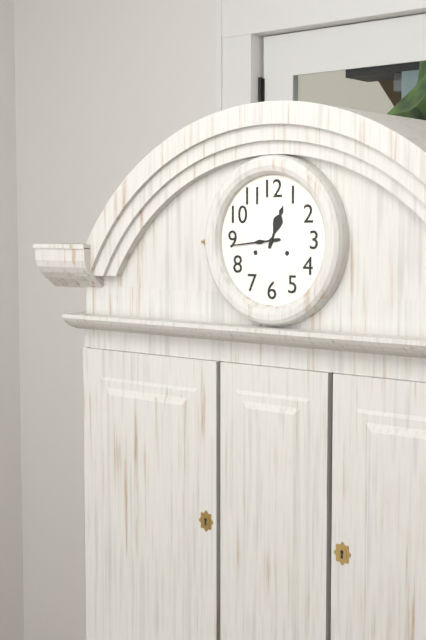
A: **12:44**
